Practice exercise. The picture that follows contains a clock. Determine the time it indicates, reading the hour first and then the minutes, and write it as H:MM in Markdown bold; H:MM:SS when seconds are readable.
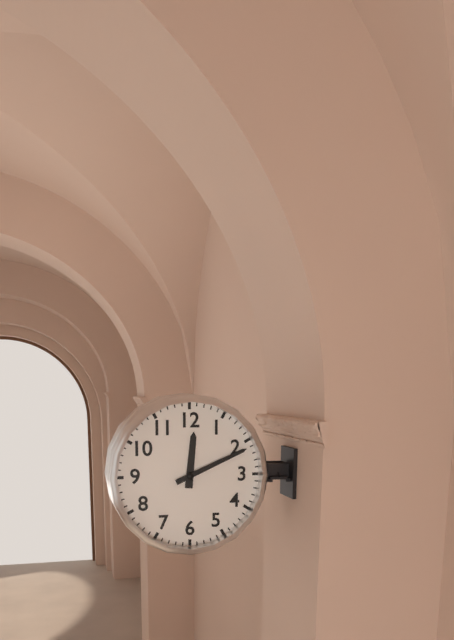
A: **12:11**
